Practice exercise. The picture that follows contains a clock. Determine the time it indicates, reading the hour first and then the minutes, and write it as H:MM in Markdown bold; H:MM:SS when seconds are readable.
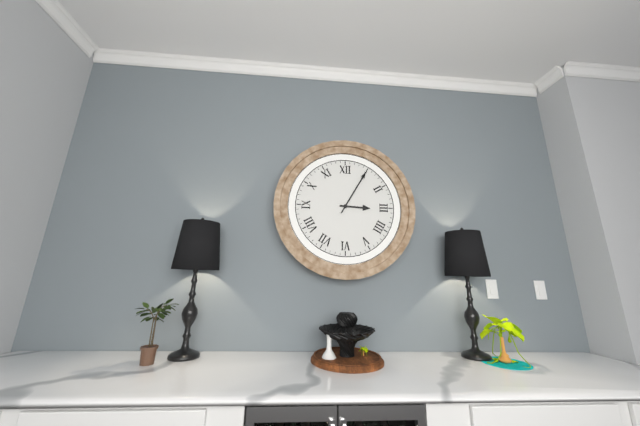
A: **3:05**
